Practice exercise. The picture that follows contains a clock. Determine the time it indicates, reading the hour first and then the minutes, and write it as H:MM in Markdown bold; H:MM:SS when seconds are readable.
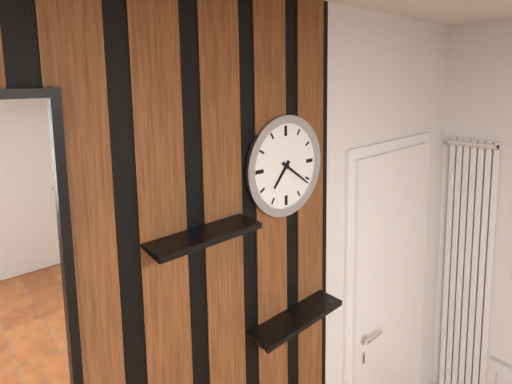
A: **7:21**
